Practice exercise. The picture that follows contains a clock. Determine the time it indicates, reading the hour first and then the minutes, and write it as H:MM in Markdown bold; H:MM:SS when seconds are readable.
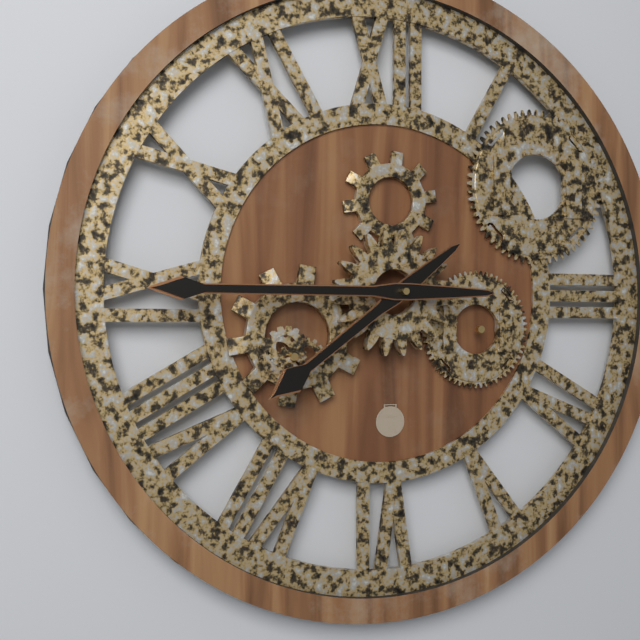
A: **7:45**
